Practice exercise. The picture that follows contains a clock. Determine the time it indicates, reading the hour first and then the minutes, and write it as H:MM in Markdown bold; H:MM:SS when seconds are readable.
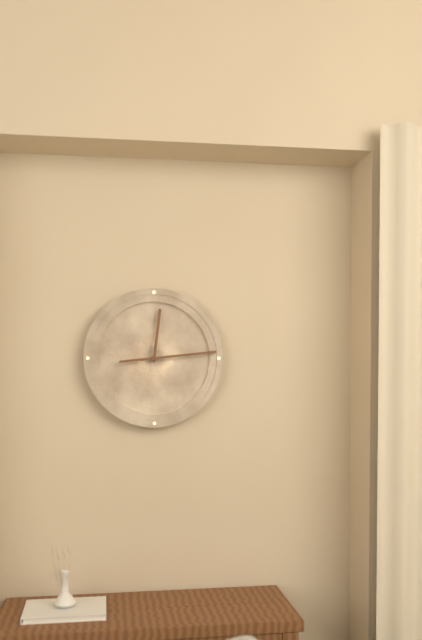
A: **12:14**
